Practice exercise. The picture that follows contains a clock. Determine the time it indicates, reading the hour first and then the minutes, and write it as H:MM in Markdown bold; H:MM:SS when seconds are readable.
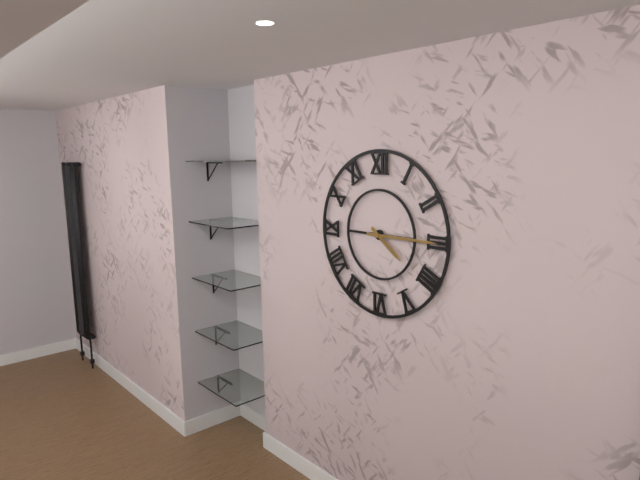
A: **4:15**
